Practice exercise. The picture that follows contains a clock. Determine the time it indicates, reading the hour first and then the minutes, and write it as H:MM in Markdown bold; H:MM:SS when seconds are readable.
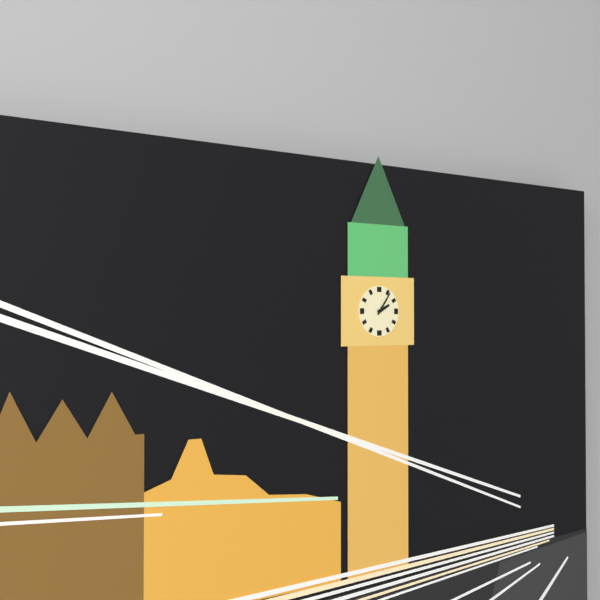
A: **2:06**
